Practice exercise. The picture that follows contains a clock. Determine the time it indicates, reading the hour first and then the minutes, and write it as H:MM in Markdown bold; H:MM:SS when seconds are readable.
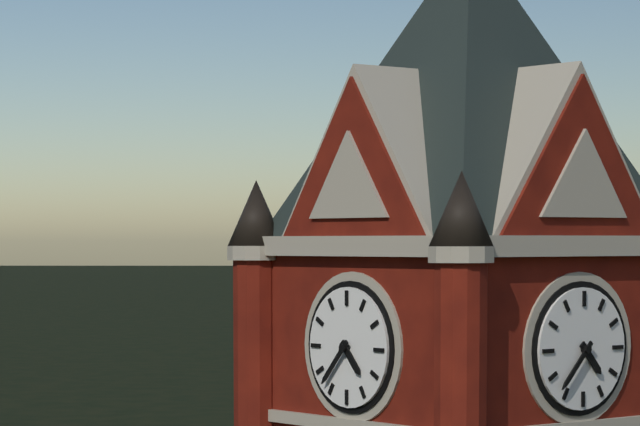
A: **4:37**
